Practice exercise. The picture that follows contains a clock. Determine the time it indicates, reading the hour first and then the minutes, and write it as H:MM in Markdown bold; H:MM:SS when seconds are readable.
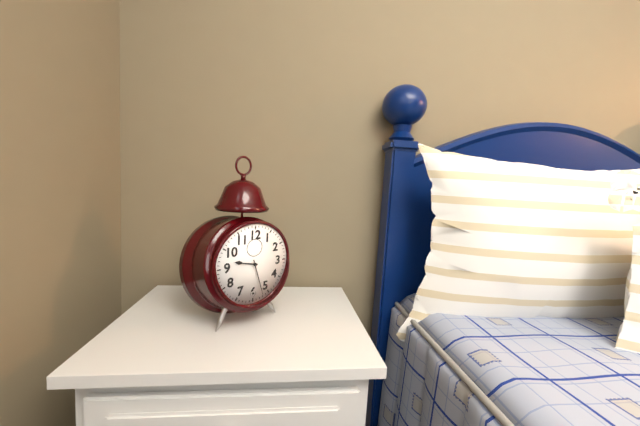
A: **9:27**
